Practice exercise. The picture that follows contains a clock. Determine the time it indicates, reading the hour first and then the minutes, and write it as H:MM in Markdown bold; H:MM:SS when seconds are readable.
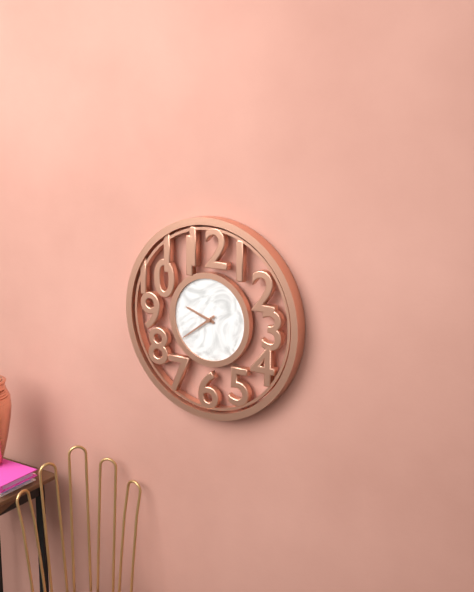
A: **9:39**
